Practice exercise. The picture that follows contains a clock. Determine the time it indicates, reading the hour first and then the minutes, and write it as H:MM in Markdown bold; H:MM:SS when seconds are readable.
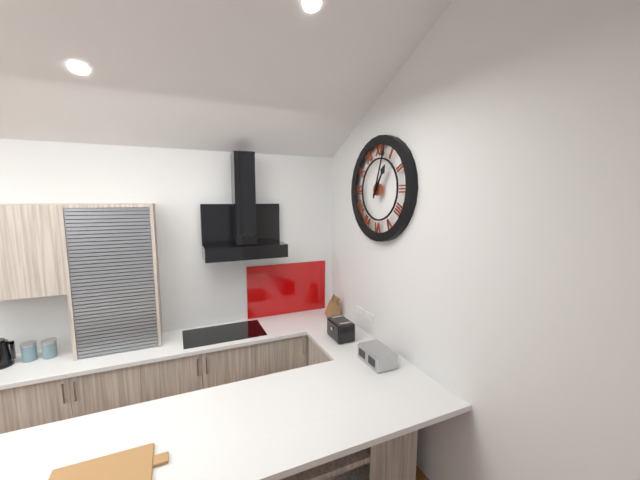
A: **1:03**
